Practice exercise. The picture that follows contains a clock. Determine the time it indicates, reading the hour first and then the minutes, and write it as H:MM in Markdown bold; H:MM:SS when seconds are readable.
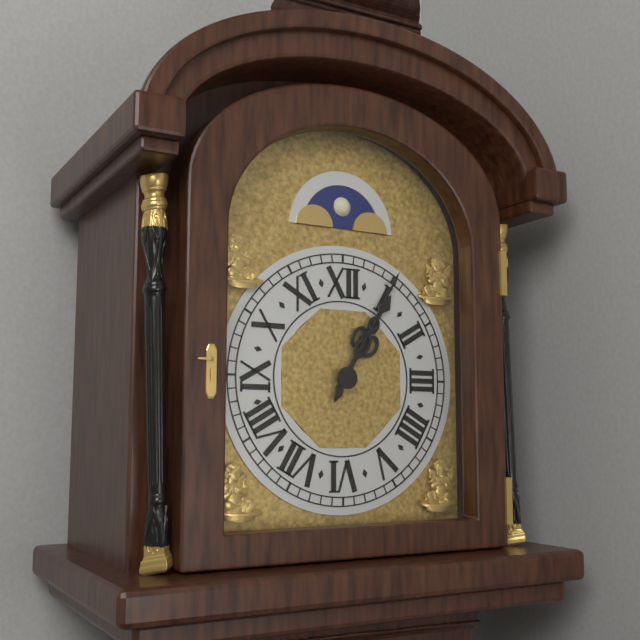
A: **1:05**
